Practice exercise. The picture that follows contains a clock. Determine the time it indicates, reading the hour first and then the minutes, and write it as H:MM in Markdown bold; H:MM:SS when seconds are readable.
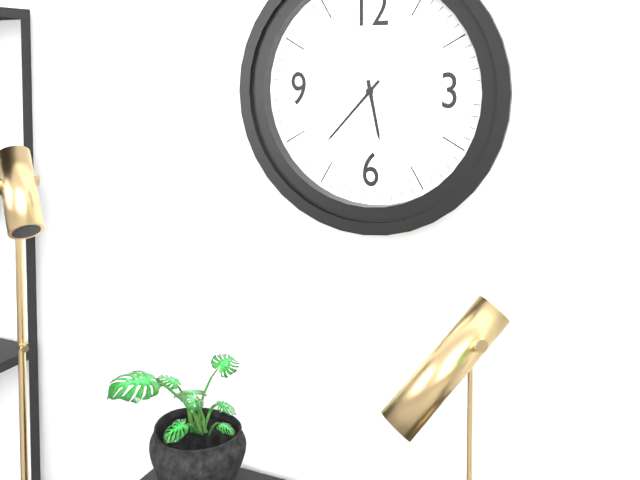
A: **5:37**
